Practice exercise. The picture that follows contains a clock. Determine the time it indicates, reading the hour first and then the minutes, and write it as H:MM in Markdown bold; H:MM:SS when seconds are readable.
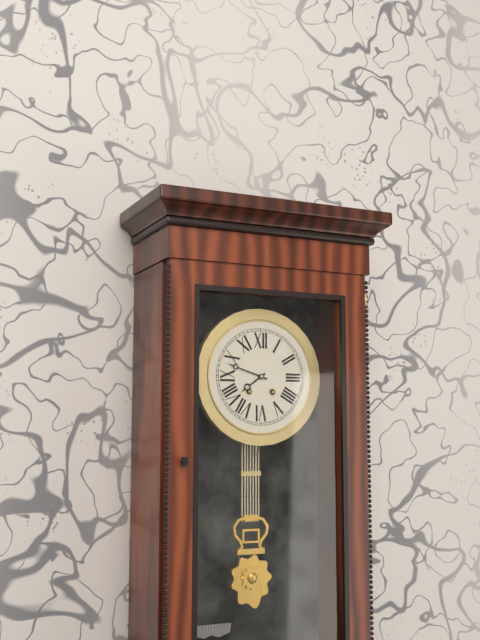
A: **7:48**
